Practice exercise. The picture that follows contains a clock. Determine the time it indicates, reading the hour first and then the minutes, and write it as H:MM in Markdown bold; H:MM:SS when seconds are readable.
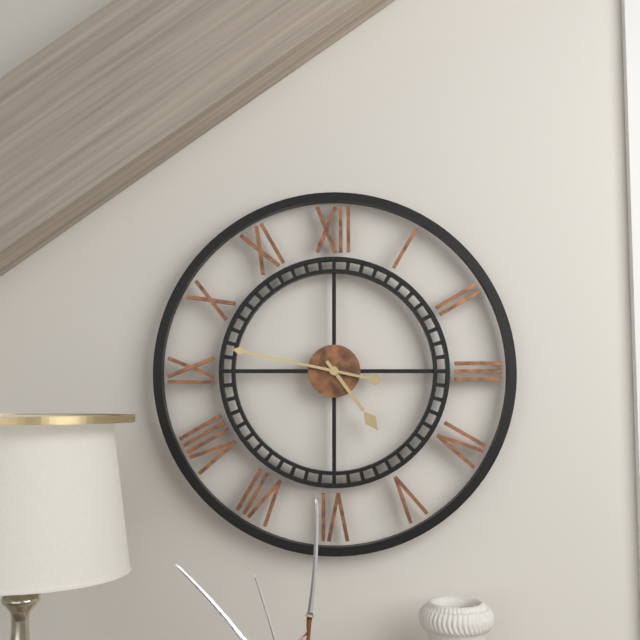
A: **4:47**
